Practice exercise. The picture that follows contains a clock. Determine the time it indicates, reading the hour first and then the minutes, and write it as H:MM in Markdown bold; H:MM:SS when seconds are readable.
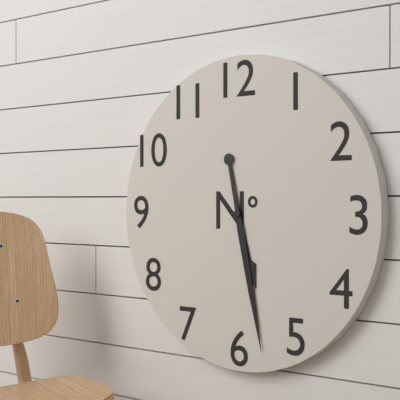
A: **5:28**
